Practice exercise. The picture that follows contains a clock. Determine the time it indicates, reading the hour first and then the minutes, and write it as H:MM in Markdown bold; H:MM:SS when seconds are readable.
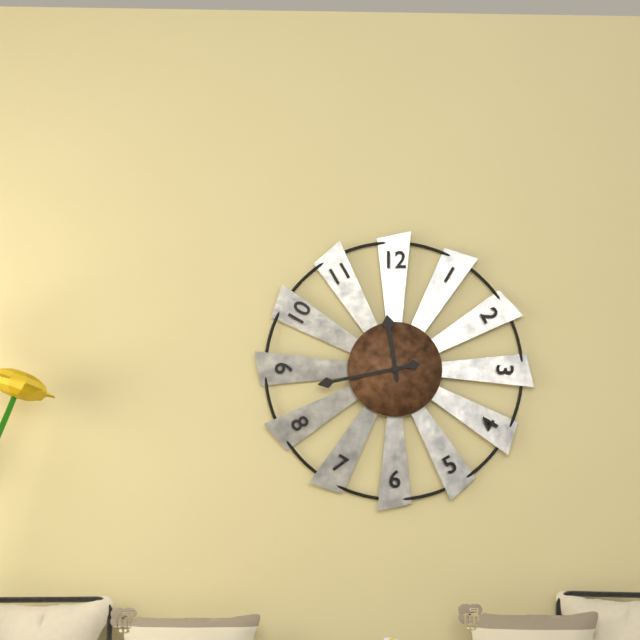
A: **11:43**
